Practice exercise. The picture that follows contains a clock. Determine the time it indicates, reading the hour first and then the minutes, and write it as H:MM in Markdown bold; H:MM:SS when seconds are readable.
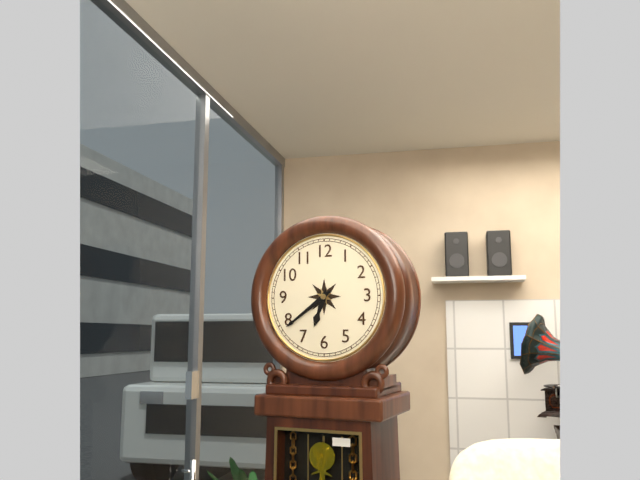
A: **6:39**
